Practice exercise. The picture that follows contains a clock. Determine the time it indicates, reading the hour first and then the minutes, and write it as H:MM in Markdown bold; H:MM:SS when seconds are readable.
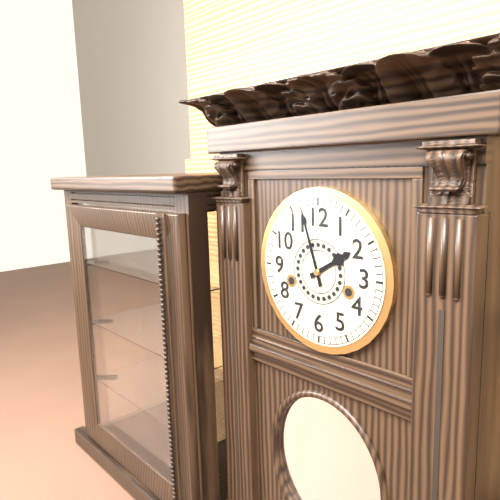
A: **1:57**
